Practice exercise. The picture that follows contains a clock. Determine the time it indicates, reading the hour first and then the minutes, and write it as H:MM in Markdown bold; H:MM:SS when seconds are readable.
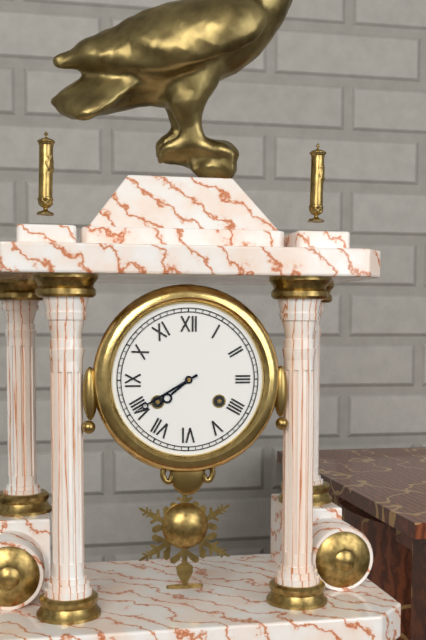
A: **7:40**
